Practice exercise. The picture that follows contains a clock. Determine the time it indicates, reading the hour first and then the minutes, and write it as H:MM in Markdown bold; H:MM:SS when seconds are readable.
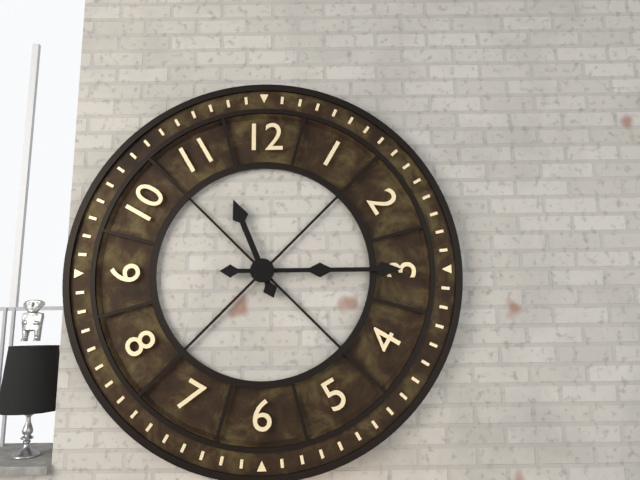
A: **11:15**
